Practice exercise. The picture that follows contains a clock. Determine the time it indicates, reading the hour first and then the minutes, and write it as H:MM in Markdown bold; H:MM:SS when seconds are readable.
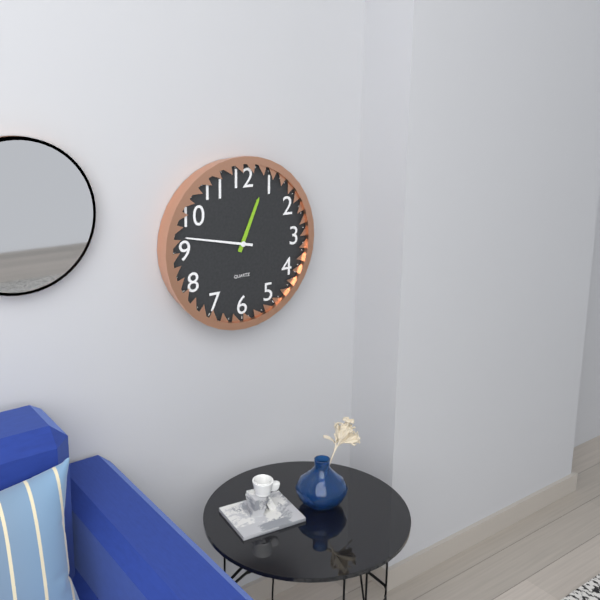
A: **12:47**
